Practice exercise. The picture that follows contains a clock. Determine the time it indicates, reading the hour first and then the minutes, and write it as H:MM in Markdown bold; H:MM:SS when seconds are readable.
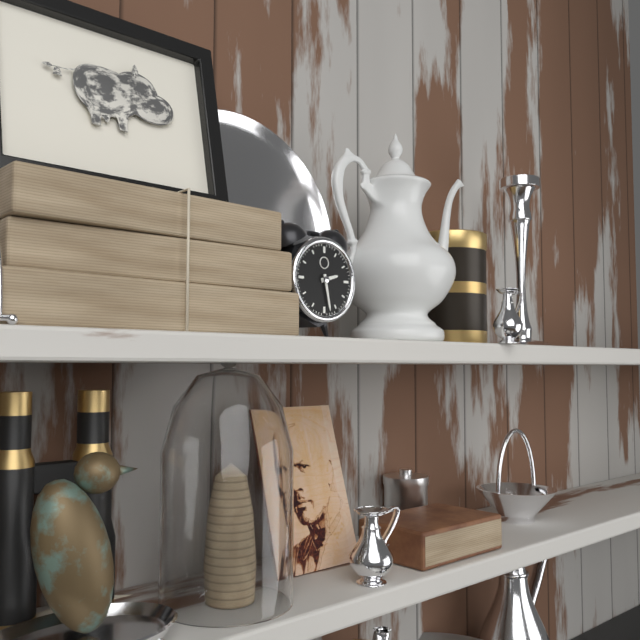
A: **2:28**
